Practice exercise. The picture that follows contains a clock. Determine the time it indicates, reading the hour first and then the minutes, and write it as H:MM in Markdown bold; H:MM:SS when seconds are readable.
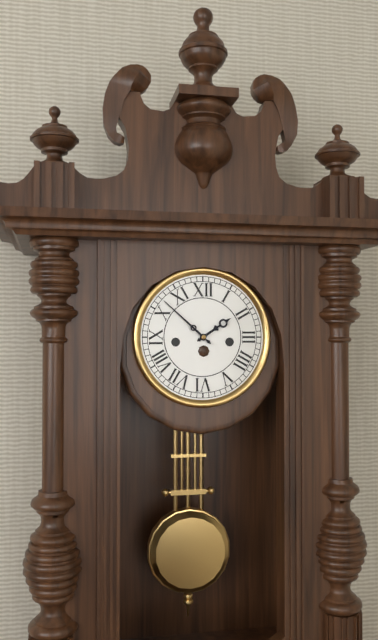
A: **1:52**
